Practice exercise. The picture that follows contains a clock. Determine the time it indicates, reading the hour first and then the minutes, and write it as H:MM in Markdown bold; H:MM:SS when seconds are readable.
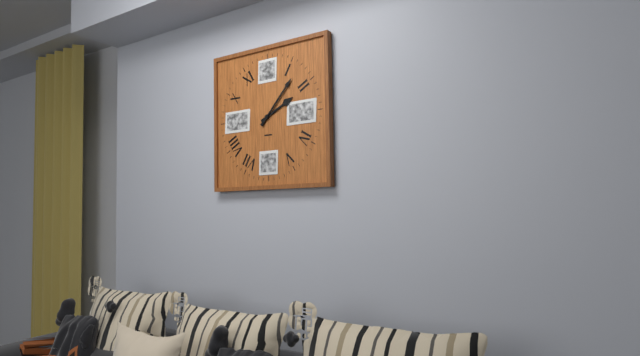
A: **2:07**
